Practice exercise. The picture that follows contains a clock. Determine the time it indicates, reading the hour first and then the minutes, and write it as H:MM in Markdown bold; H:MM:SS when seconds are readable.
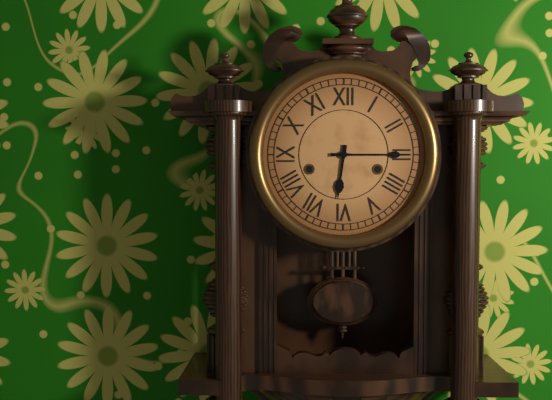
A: **6:15**
